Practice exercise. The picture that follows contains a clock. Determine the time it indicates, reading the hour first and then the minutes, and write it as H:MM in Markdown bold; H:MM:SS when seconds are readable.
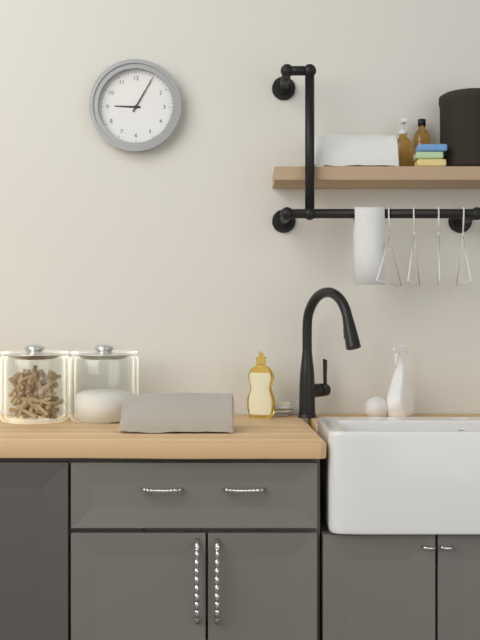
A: **9:05**
